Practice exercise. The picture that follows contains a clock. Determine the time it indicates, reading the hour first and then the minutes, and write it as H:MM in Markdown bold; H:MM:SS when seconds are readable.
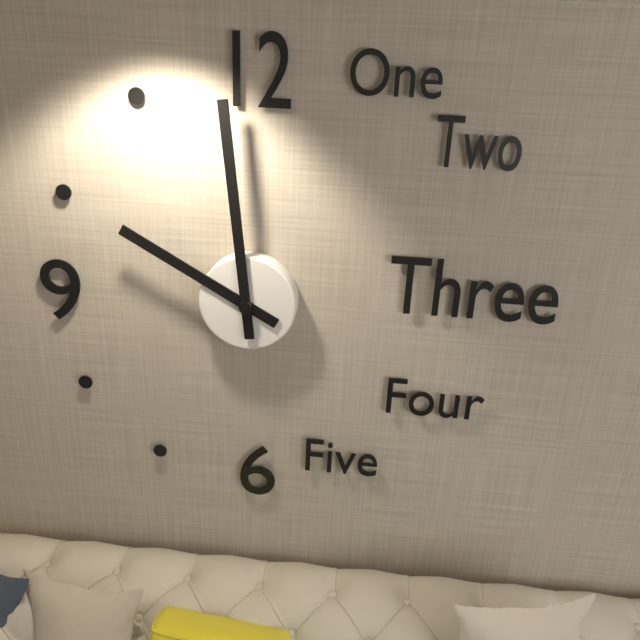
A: **9:59**
